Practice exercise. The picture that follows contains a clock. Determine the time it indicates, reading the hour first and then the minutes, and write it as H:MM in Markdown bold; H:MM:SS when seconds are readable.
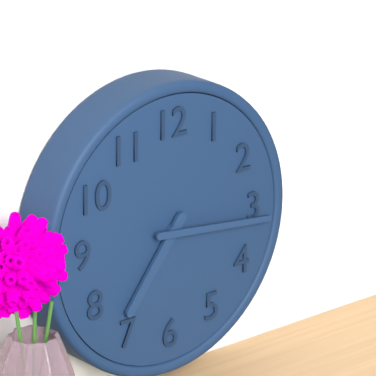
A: **7:16**
